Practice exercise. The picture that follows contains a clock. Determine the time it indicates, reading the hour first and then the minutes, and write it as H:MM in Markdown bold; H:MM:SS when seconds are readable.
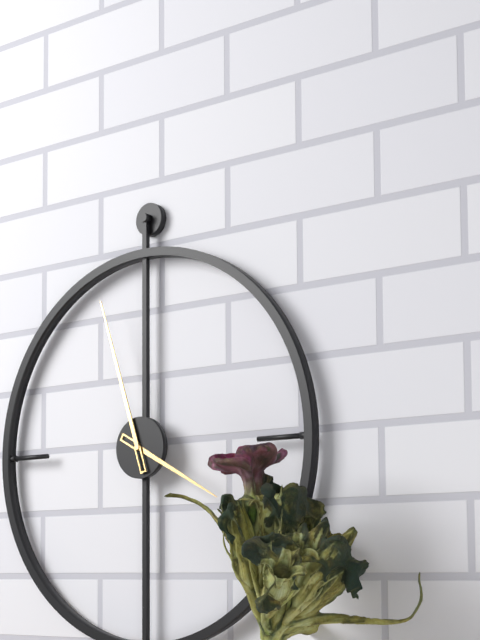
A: **3:57**
